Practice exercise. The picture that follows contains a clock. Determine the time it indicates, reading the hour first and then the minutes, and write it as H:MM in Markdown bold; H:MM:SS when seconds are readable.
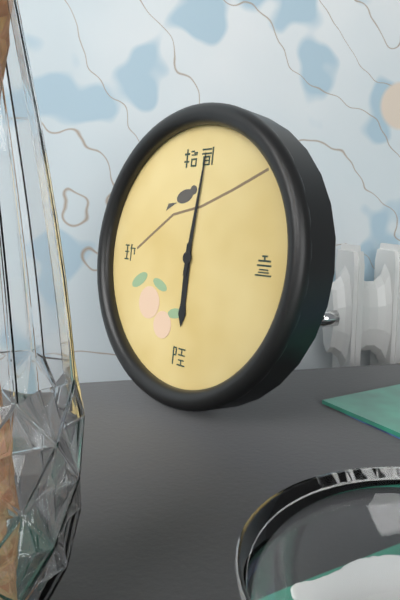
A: **6:01**
